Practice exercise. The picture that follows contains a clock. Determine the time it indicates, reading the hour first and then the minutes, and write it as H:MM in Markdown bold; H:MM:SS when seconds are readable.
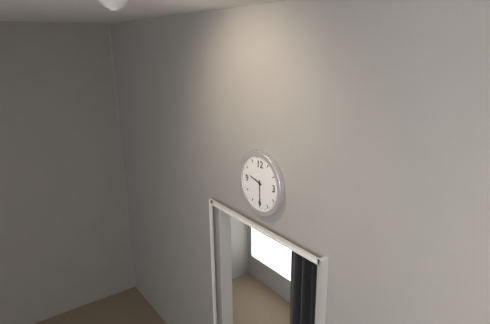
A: **9:30**
